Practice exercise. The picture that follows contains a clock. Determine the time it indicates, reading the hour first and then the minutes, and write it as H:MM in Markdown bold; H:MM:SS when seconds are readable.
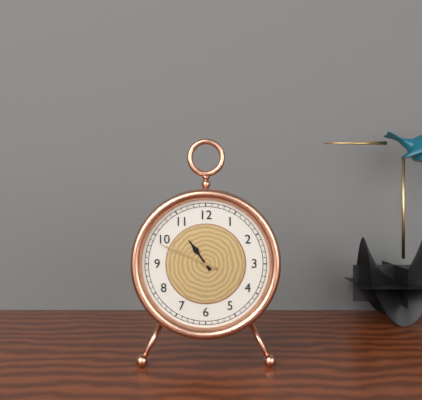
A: **10:49**
